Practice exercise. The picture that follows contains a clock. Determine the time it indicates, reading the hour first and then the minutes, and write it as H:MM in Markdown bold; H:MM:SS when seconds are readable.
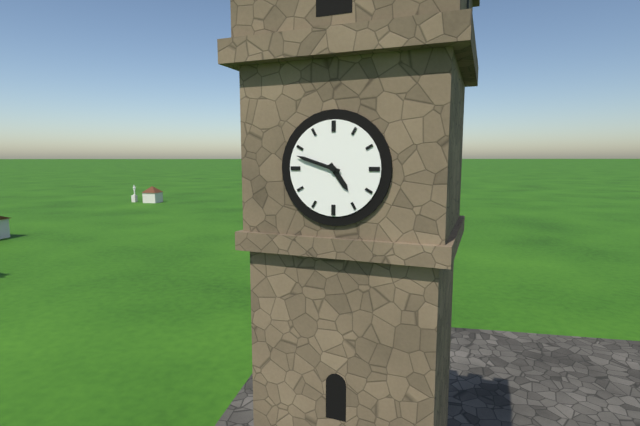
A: **4:48**
